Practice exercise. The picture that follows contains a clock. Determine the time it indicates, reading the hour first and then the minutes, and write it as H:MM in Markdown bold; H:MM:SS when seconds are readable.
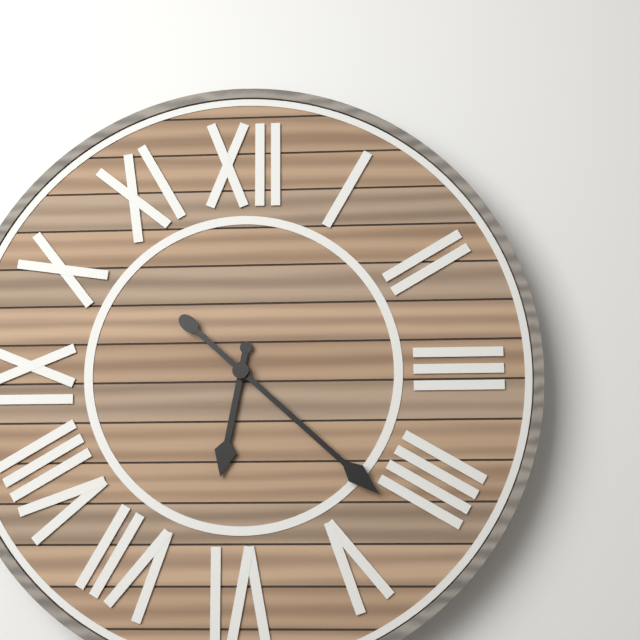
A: **6:22**
